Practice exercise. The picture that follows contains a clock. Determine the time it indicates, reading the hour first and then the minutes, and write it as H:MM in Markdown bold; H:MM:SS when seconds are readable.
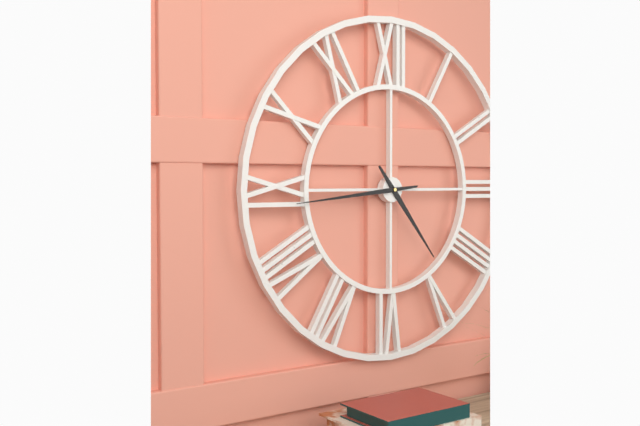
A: **4:44**
